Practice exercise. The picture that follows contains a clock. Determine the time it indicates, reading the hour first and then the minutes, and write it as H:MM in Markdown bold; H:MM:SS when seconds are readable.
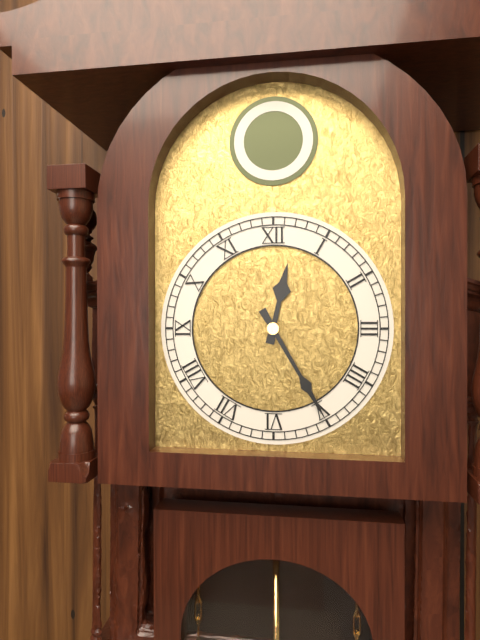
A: **12:25**
